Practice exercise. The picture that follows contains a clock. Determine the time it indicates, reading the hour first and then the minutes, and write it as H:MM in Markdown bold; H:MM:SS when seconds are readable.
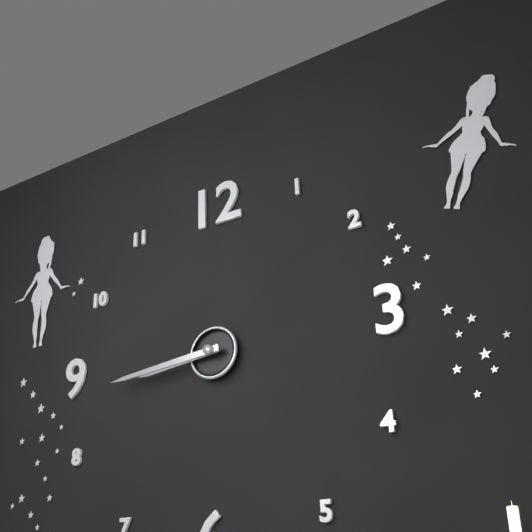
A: **8:44**
